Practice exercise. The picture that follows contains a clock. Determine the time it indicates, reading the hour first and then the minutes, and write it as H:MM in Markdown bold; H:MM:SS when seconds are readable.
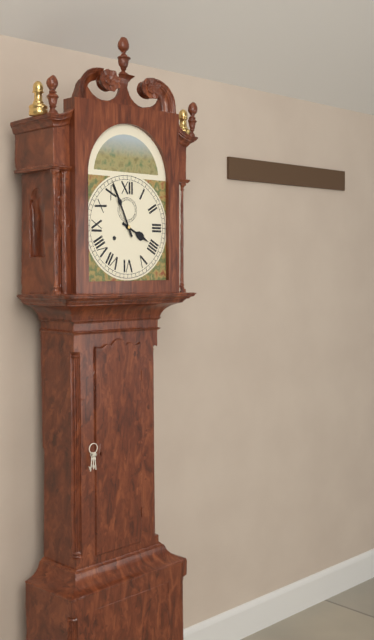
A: **3:56**
